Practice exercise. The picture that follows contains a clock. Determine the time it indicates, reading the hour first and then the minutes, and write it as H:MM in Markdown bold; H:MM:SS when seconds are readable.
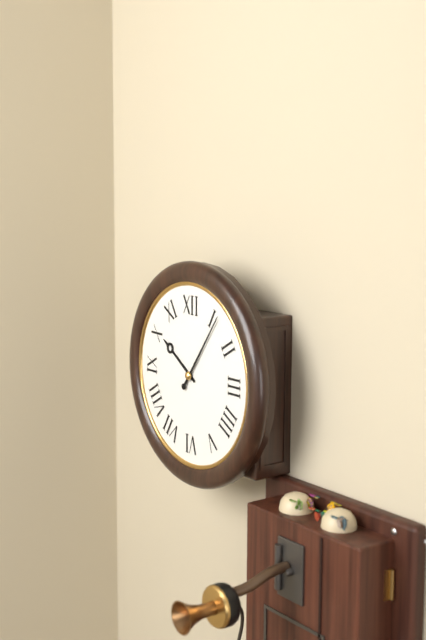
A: **10:06**
